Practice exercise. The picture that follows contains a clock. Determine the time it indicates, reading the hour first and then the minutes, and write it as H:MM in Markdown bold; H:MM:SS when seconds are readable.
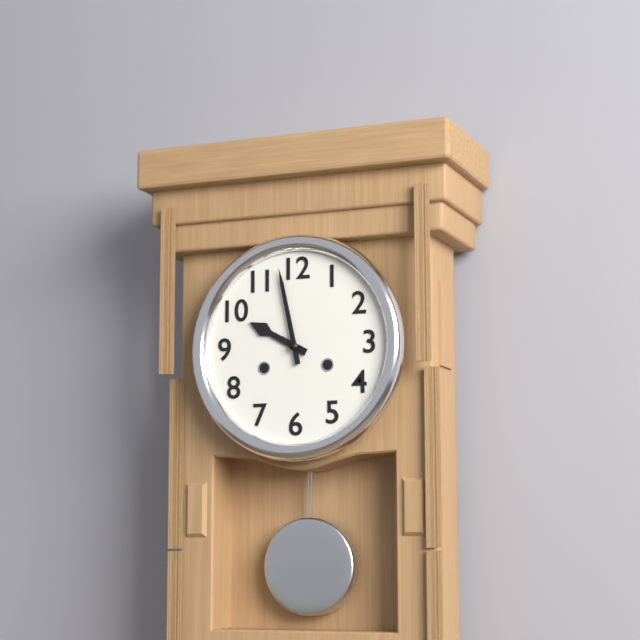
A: **9:58**
